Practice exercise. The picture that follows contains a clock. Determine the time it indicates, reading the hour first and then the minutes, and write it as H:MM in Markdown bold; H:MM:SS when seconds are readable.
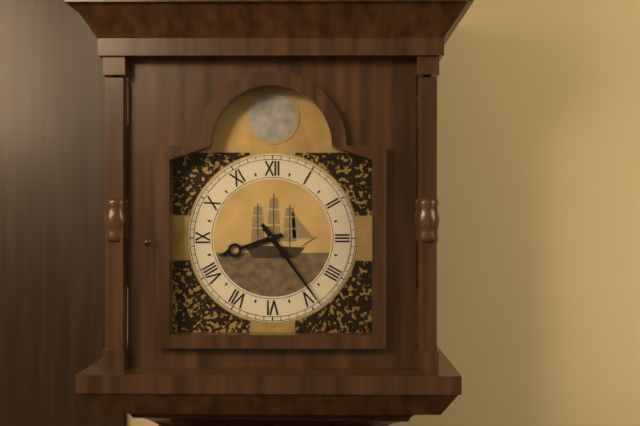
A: **8:24**
